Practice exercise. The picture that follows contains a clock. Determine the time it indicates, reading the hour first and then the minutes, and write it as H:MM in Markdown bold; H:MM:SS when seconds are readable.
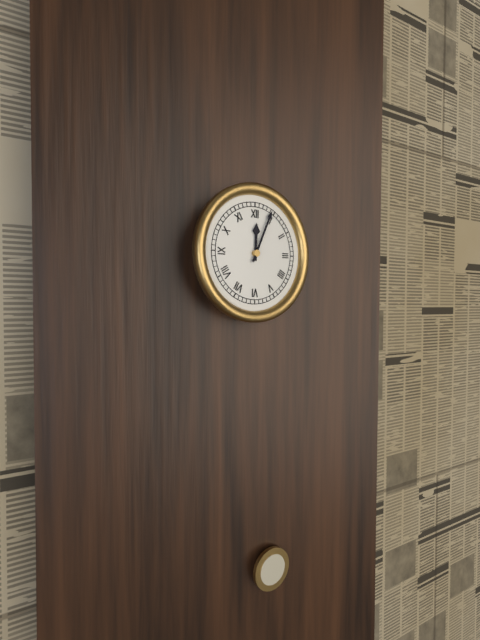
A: **12:04**
